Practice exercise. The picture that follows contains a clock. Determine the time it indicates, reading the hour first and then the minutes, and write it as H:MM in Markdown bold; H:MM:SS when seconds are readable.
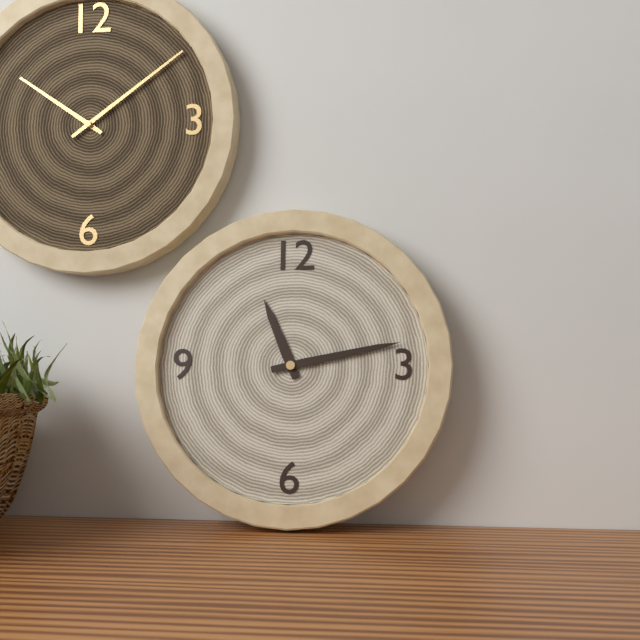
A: **11:13**
